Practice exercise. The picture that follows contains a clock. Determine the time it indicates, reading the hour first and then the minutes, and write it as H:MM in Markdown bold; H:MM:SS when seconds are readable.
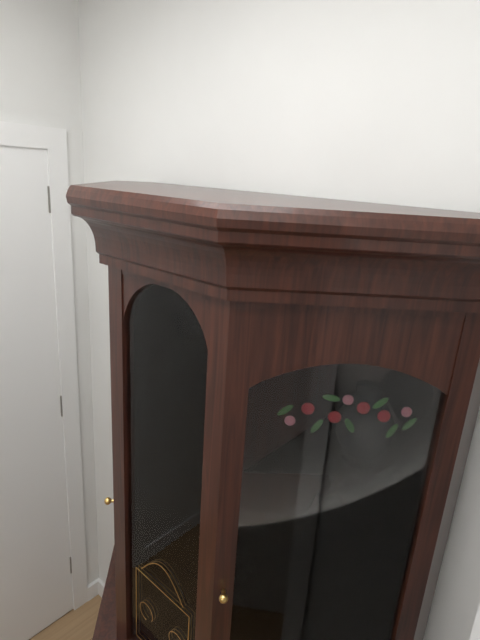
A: **11:19**
